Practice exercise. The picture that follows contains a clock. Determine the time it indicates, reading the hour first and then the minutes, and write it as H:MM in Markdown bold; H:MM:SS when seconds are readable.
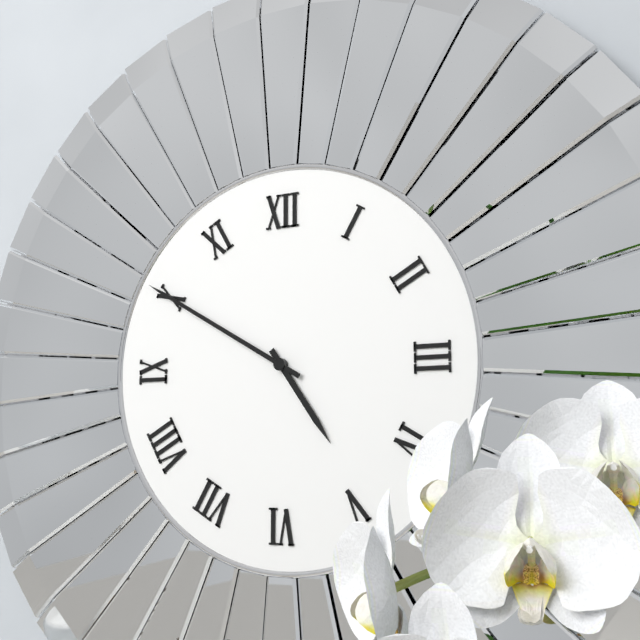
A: **4:50**
